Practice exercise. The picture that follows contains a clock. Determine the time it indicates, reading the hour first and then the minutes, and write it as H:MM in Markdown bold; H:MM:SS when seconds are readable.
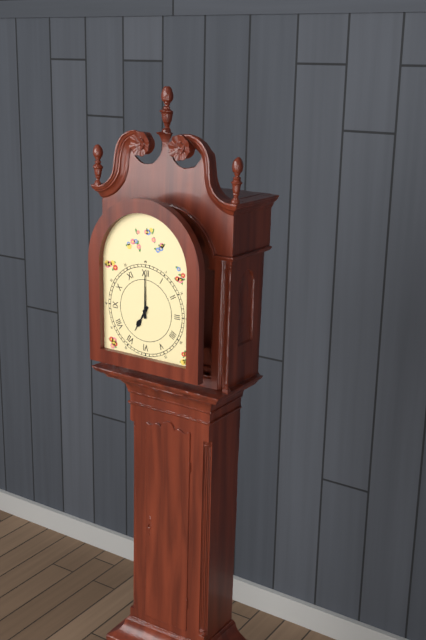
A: **7:00**
